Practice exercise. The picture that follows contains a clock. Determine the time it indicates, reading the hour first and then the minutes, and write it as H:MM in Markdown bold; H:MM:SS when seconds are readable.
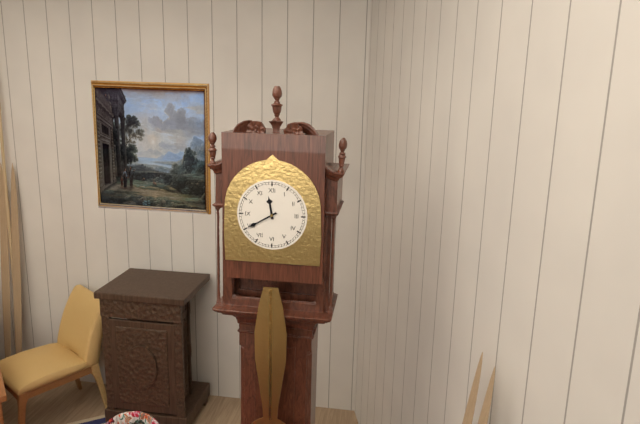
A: **11:40**
